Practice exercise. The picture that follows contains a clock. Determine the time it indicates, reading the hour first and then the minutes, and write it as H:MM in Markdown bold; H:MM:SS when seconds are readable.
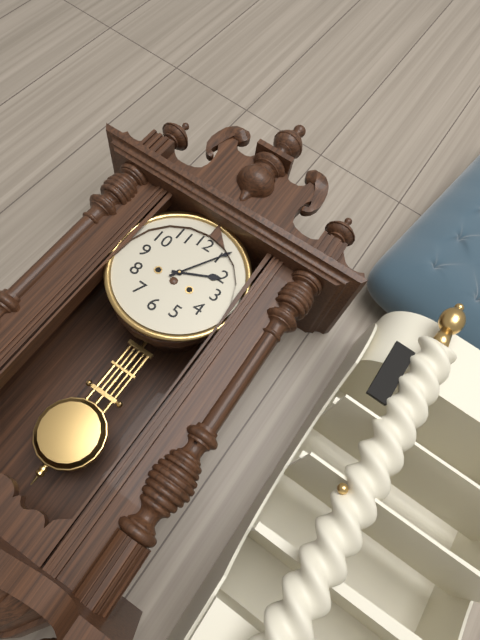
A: **2:05**
